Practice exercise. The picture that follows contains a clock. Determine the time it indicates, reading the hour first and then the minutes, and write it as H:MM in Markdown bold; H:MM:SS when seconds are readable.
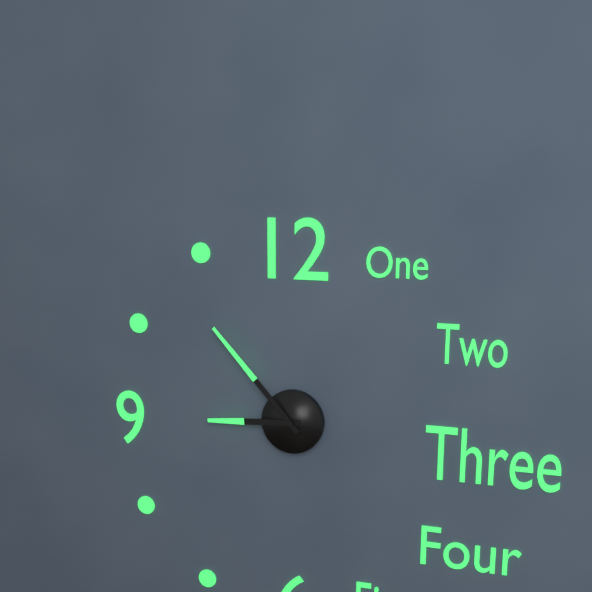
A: **8:53**
